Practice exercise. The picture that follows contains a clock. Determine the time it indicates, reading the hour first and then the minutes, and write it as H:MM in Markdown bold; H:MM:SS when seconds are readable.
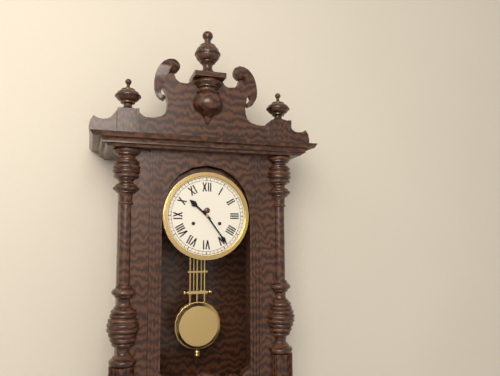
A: **10:24**
